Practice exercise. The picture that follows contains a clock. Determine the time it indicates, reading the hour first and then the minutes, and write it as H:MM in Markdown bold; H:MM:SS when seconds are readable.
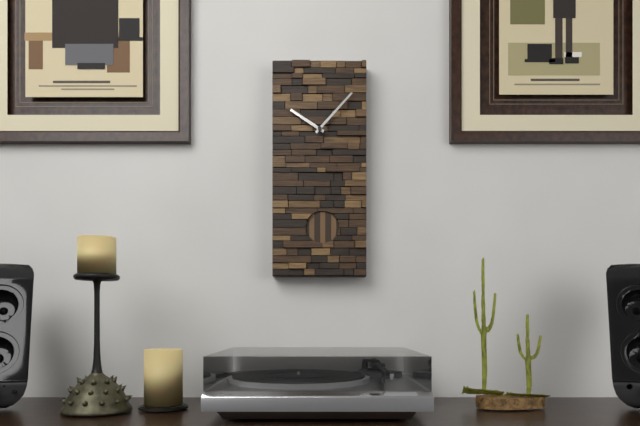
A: **10:07**
